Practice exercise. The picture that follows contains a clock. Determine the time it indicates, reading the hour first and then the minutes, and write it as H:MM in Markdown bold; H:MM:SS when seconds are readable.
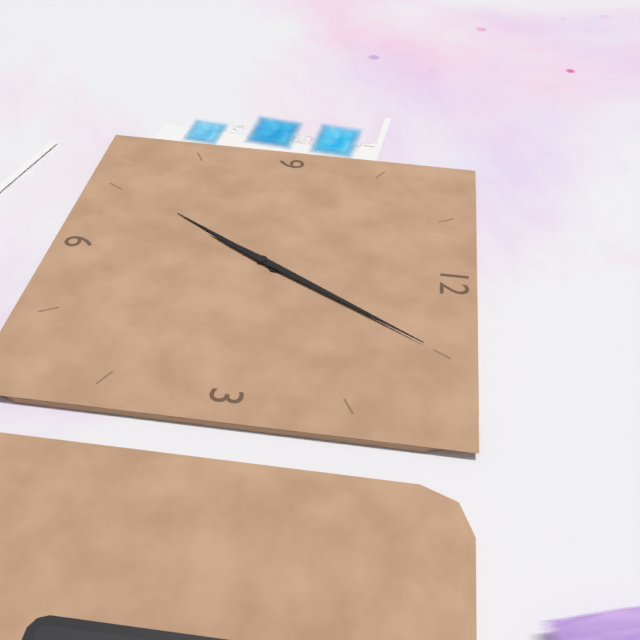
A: **7:05**
